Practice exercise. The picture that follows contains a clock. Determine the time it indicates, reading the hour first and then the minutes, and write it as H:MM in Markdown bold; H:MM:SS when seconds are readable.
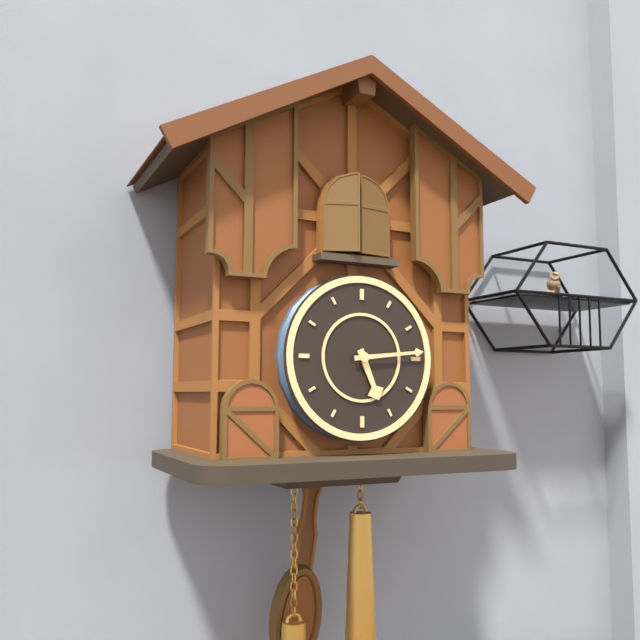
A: **5:14**
